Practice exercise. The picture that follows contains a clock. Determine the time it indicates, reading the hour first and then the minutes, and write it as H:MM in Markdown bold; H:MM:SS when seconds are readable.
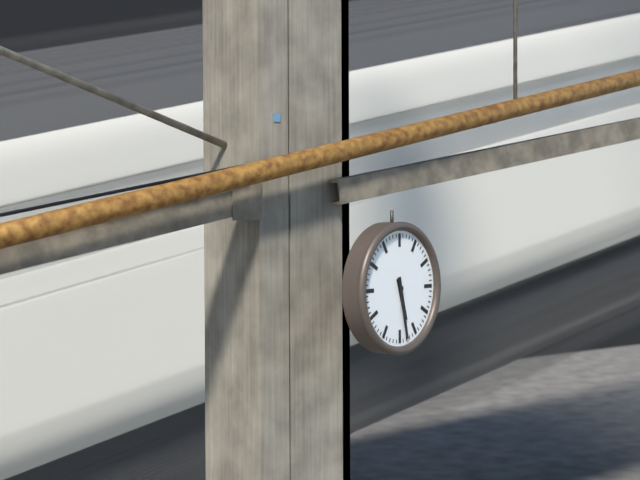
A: **5:28**
